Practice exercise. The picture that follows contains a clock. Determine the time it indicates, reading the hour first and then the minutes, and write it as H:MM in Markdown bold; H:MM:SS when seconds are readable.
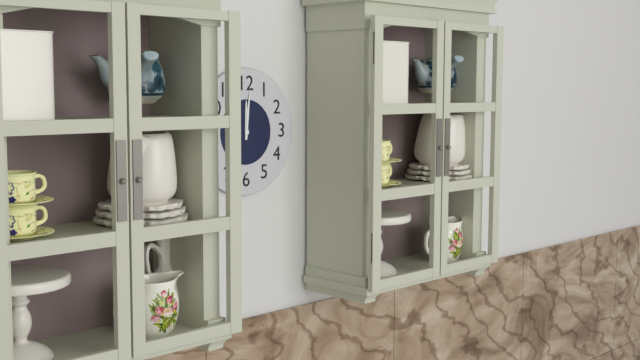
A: **12:01**
